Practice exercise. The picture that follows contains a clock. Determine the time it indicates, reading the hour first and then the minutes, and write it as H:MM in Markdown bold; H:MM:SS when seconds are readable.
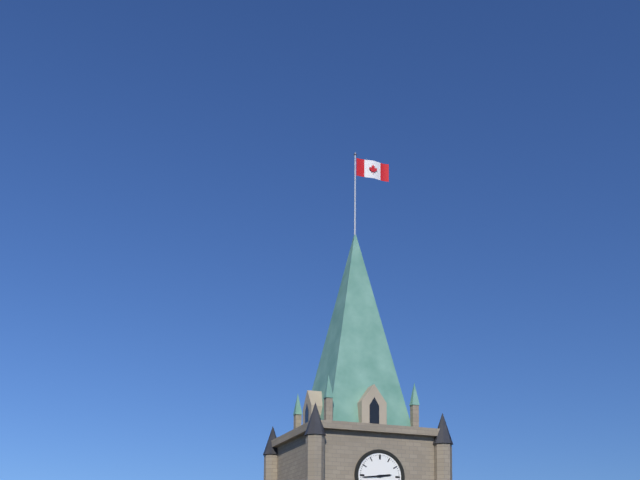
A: **2:44**
